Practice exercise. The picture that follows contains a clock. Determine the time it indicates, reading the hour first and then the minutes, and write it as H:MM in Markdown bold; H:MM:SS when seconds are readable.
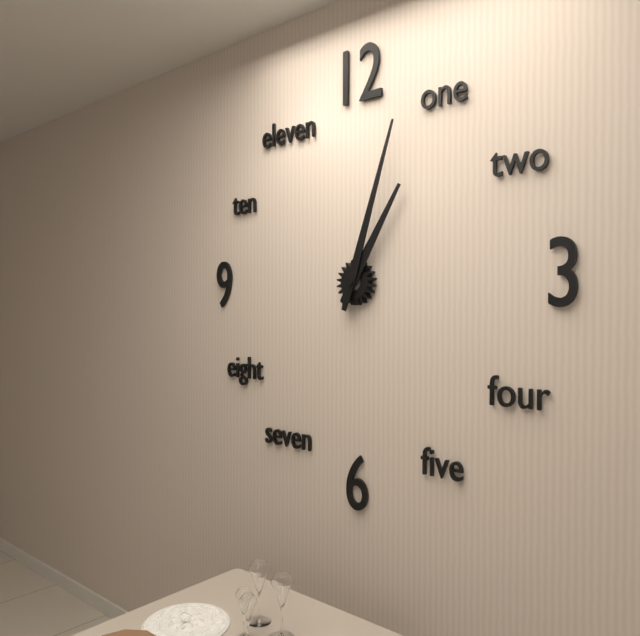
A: **1:03**
